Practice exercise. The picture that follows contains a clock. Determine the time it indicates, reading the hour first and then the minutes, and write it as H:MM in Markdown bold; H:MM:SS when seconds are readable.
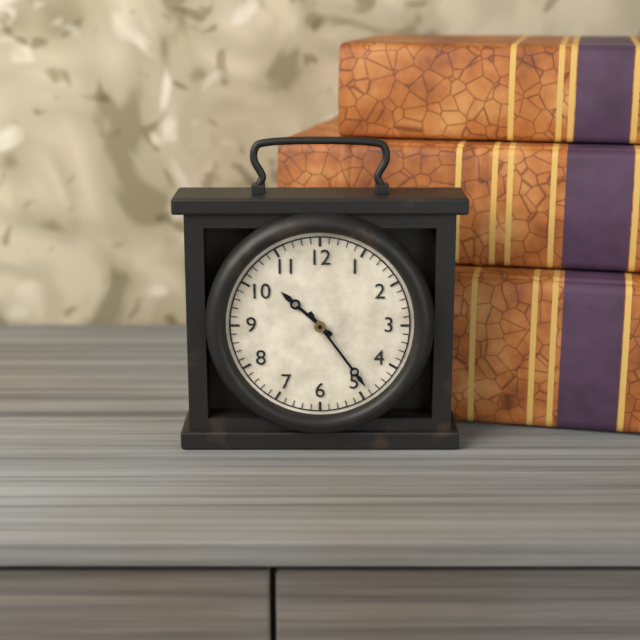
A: **10:24**
